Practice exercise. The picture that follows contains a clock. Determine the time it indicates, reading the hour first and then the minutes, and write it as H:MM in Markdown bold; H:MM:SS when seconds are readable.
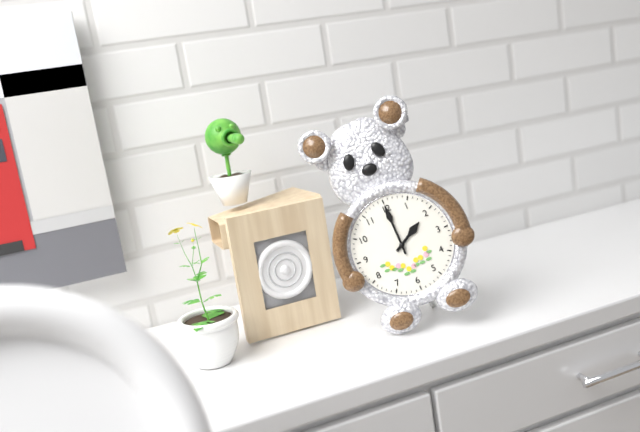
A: **2:00**
